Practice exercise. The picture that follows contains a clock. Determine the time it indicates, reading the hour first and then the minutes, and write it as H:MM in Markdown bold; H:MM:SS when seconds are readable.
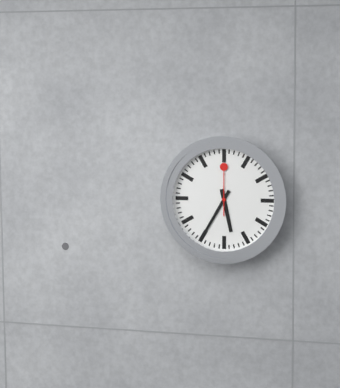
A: **5:35**
